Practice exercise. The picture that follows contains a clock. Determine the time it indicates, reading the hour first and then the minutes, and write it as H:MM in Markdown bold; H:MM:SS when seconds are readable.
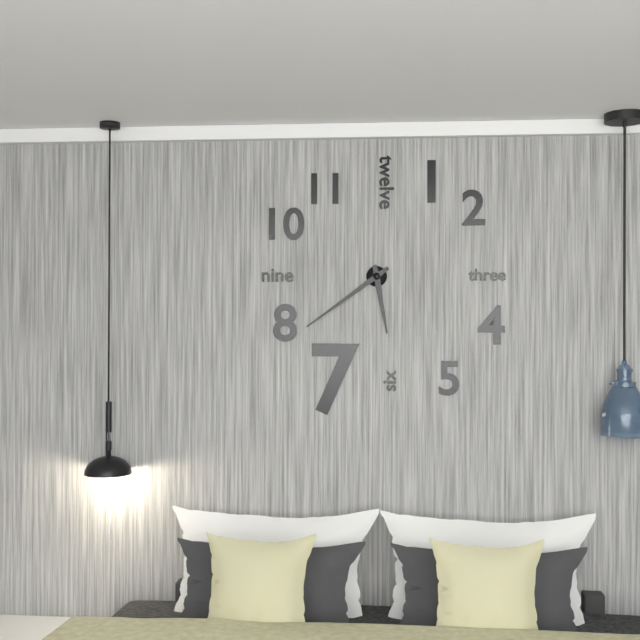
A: **5:39**
